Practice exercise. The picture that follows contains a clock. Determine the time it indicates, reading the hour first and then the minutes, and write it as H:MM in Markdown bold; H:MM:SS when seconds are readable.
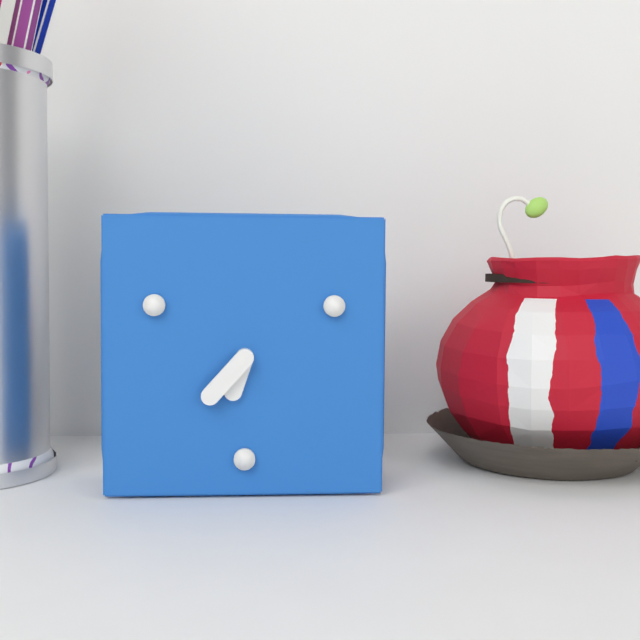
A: **6:37**
